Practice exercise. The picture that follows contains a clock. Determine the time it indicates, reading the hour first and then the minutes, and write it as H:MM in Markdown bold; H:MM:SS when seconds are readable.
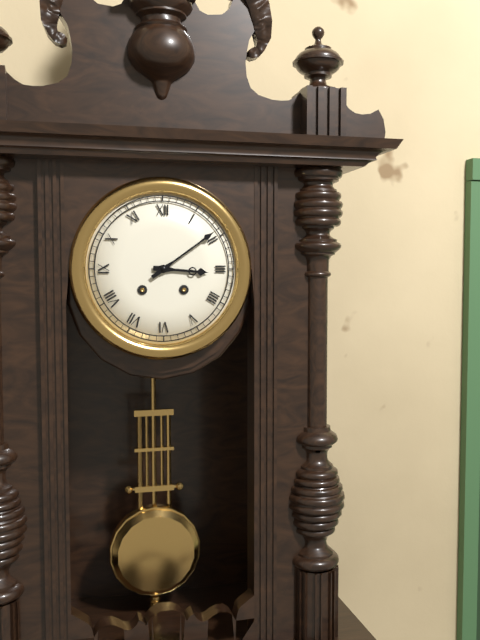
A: **3:09**
